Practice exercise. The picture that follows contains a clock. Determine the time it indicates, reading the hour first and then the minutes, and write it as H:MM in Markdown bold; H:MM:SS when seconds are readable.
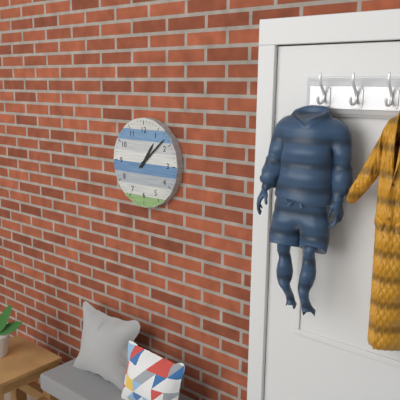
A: **1:08**
